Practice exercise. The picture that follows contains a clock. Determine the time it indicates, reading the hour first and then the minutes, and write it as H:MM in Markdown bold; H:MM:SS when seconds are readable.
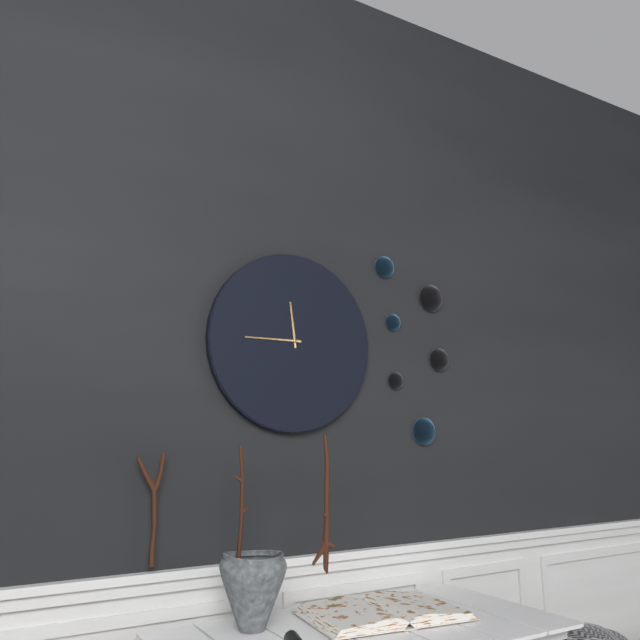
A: **11:45**
